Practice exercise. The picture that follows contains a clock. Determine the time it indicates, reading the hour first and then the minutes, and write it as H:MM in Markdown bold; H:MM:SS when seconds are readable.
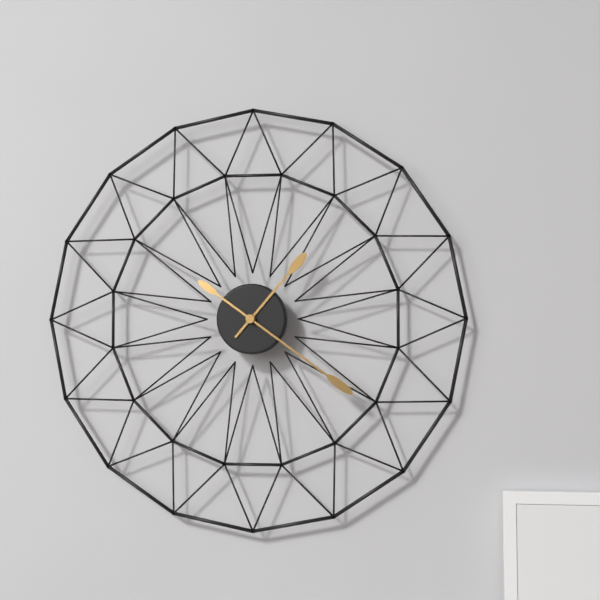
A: **1:21**
